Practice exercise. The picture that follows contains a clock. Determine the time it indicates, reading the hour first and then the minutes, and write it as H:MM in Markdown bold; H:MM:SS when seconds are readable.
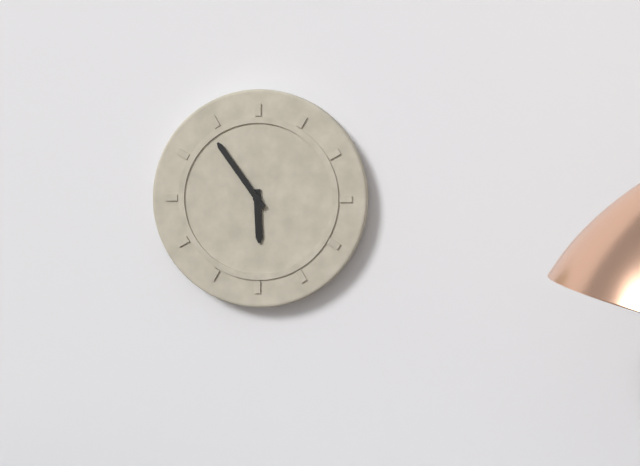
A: **5:54**
